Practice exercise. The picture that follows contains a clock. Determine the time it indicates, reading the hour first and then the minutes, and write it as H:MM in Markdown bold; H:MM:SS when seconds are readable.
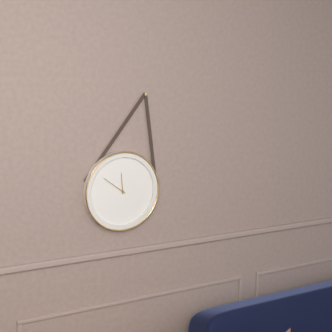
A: **11:51**
